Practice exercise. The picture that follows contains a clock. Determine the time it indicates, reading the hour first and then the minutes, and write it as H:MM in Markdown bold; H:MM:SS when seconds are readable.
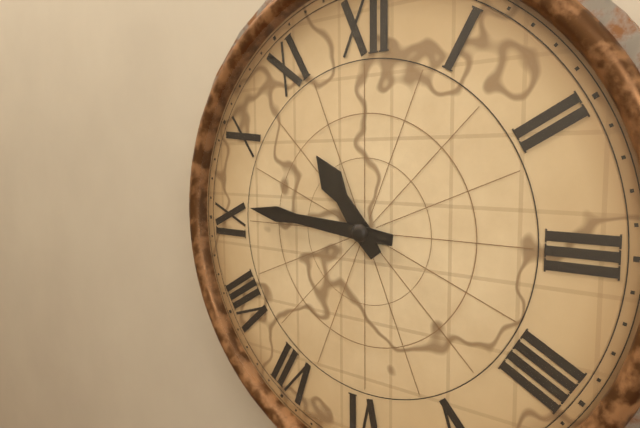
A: **10:46**
